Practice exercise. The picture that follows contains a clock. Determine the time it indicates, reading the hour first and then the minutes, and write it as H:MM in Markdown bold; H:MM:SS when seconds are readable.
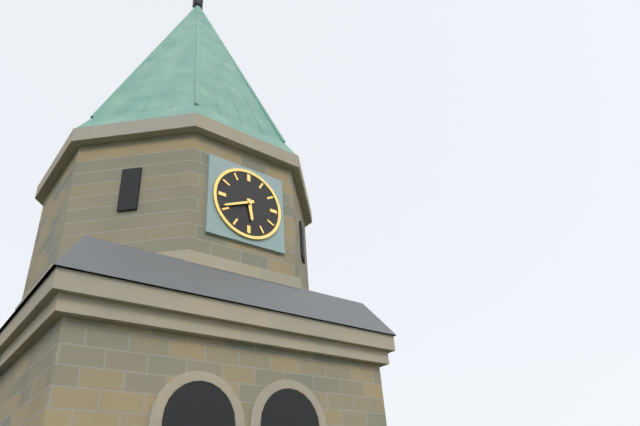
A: **5:41**
